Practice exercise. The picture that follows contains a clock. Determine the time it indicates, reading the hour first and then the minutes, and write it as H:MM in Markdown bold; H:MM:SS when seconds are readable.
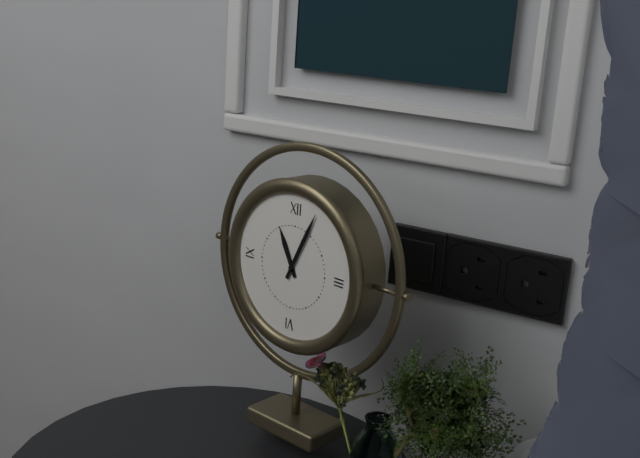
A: **11:04**
